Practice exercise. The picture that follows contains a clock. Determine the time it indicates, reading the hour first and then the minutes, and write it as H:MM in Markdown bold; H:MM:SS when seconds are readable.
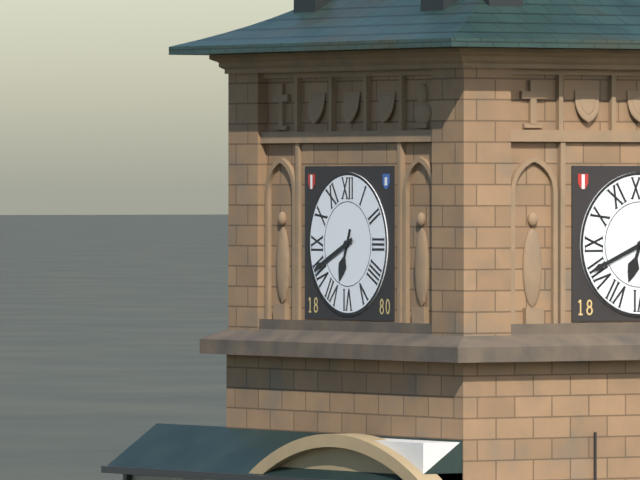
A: **6:41**
